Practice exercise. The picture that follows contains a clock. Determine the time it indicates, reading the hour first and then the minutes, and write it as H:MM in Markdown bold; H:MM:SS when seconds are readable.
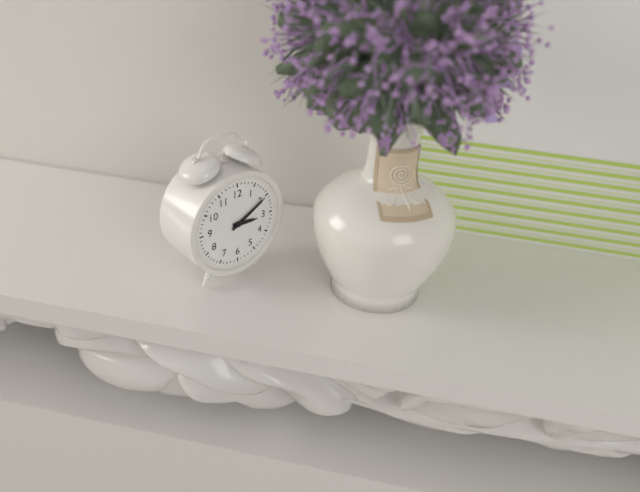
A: **3:10**
